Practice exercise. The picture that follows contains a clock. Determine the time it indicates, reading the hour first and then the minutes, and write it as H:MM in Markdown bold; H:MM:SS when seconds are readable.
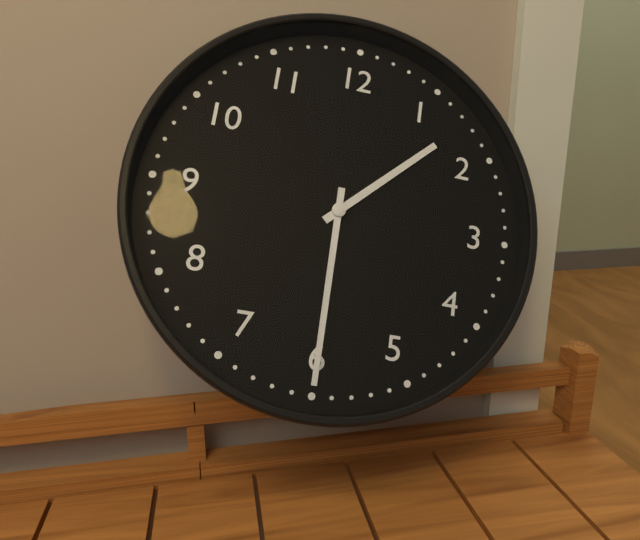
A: **1:30**
